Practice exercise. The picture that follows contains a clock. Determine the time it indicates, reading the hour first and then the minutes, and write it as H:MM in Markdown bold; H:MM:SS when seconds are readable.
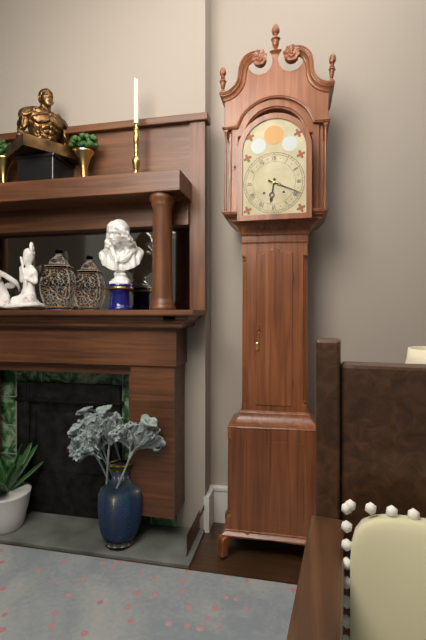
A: **6:19**
